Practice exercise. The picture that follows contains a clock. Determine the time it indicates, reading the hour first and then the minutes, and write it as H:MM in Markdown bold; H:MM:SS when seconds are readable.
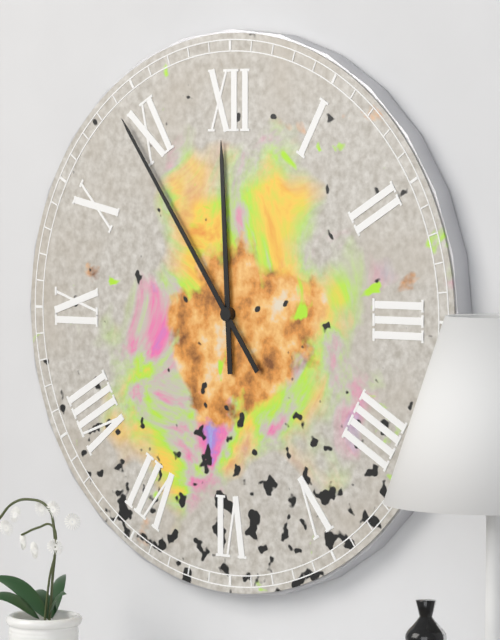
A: **11:54**
